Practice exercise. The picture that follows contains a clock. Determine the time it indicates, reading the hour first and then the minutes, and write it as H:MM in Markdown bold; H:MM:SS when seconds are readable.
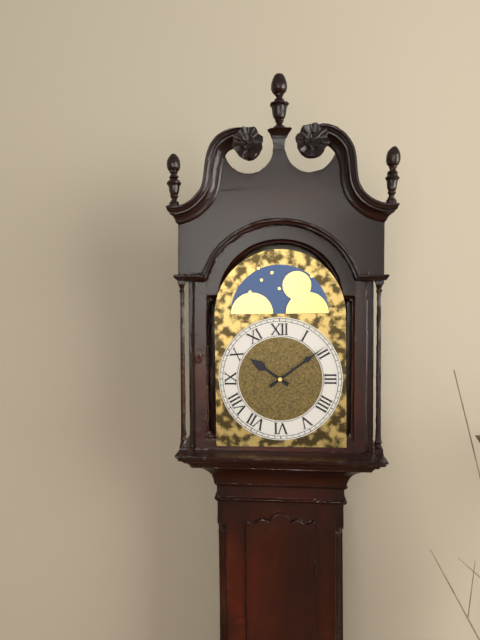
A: **10:09**
